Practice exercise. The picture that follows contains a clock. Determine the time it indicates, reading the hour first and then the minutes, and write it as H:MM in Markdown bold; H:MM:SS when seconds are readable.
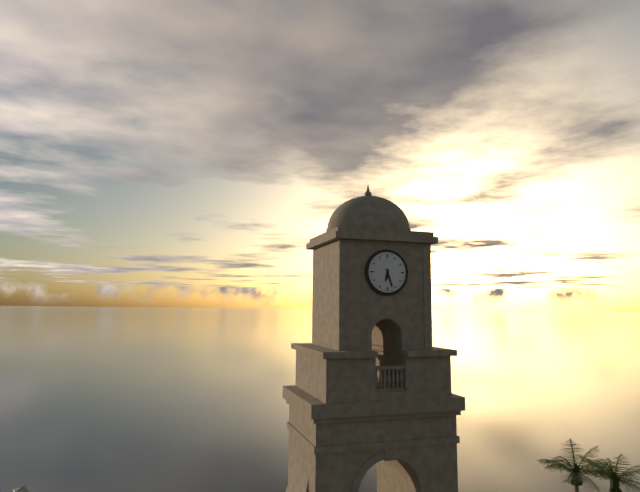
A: **6:27**
